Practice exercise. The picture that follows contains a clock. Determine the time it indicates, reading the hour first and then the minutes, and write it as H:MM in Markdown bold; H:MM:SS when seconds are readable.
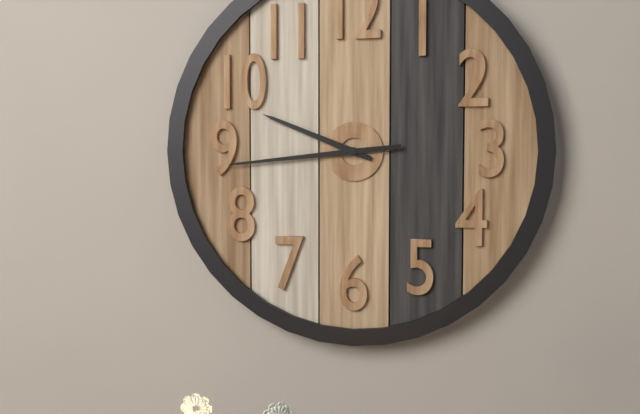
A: **9:44**
